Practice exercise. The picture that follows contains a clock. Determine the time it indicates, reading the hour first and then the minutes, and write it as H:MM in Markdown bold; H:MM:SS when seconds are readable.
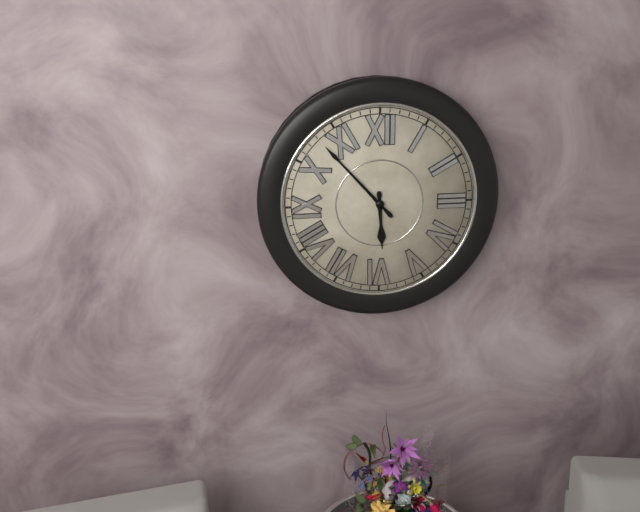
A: **5:53**
